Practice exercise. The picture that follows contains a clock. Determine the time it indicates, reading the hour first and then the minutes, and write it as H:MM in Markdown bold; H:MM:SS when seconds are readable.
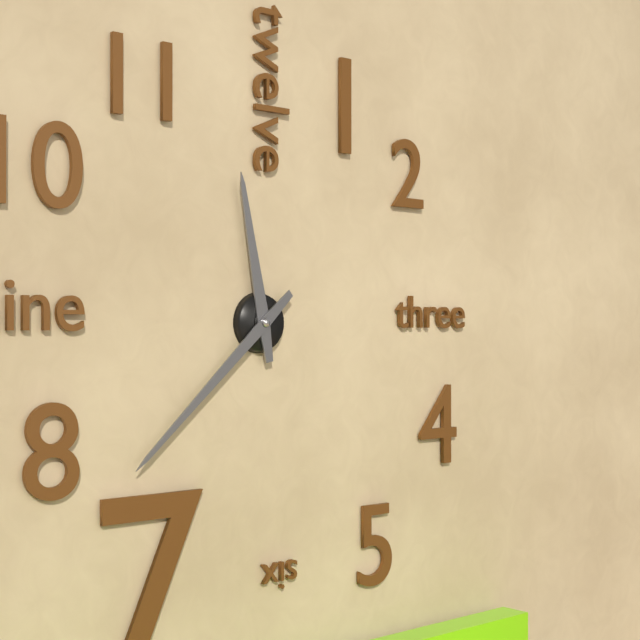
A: **11:38**
